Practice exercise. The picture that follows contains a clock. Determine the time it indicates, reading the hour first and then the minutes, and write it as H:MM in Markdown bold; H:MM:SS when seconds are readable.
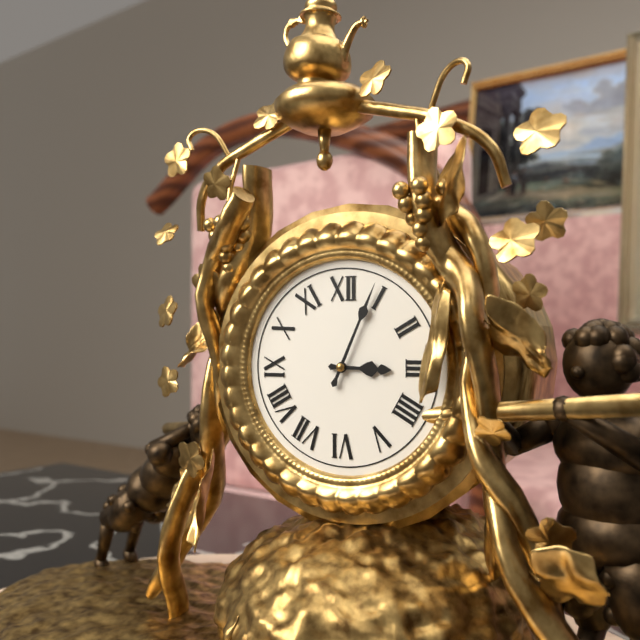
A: **3:04**
